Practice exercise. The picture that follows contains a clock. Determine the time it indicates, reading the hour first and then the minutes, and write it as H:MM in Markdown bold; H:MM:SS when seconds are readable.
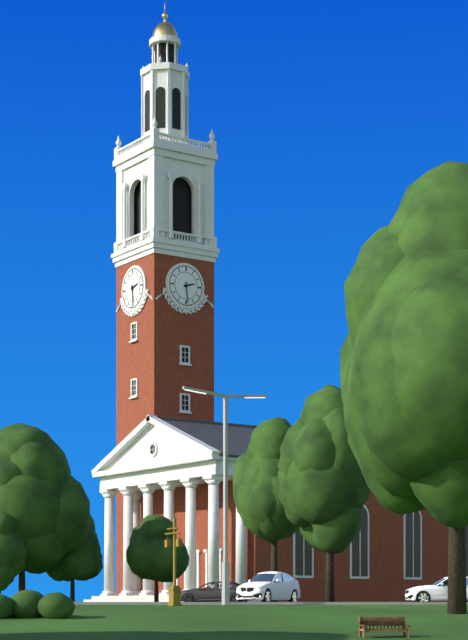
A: **2:29**
